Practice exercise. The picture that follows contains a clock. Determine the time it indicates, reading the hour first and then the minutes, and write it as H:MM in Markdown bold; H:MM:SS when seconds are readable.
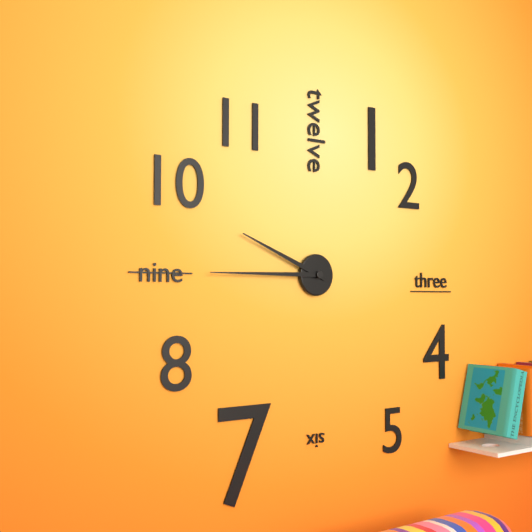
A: **9:45**
